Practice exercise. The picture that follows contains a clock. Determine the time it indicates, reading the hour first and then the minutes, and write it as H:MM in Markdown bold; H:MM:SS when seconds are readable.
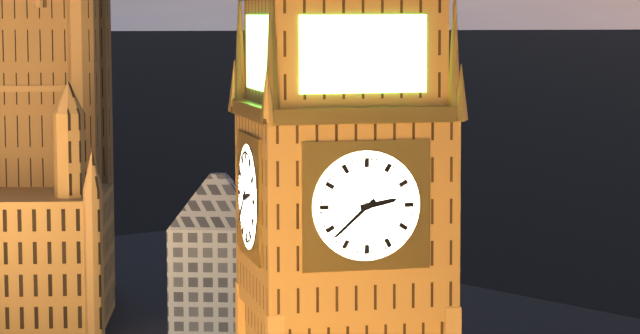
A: **2:38**
